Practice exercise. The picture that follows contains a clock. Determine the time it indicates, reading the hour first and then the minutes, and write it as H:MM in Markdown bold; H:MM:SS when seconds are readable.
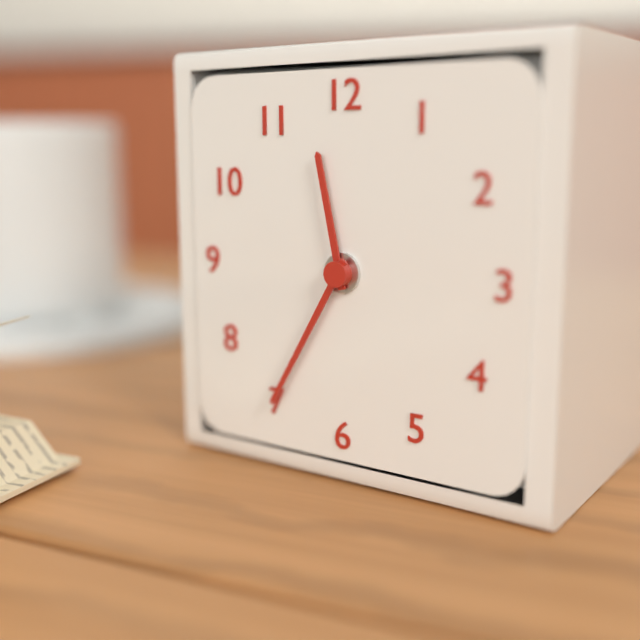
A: **11:35**
